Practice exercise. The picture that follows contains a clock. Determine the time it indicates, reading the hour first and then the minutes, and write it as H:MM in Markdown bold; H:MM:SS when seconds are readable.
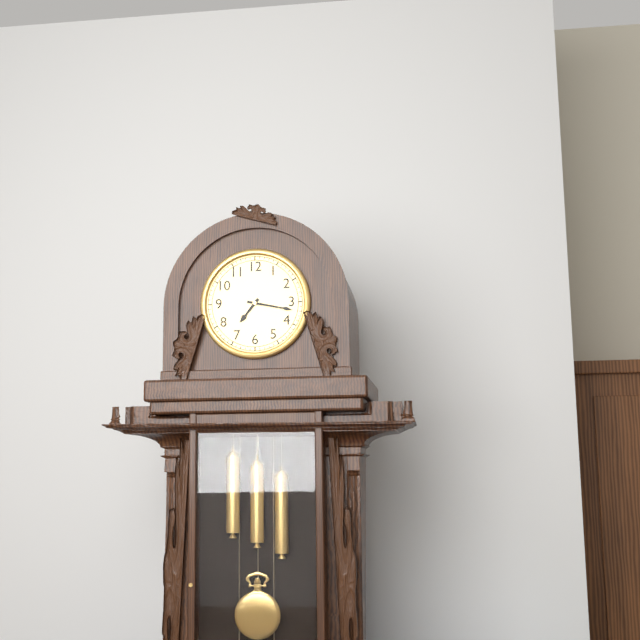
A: **7:17**
